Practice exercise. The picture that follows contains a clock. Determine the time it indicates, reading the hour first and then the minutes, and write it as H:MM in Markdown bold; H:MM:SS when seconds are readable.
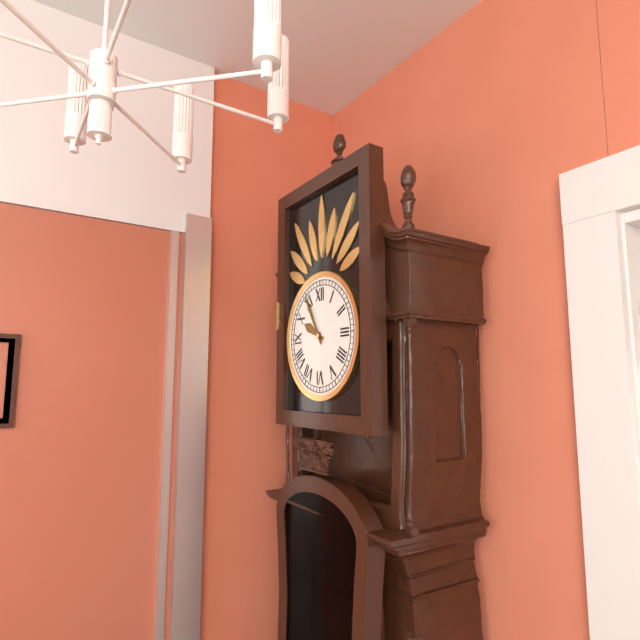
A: **9:55**
